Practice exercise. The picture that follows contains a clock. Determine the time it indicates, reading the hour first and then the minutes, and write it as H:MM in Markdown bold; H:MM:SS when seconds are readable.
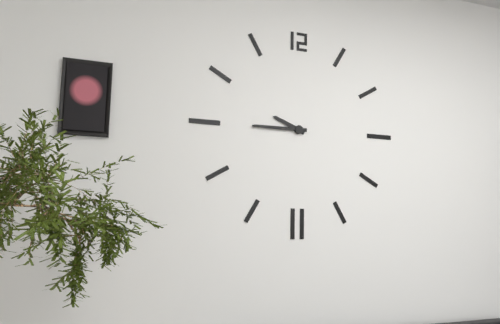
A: **9:45**
